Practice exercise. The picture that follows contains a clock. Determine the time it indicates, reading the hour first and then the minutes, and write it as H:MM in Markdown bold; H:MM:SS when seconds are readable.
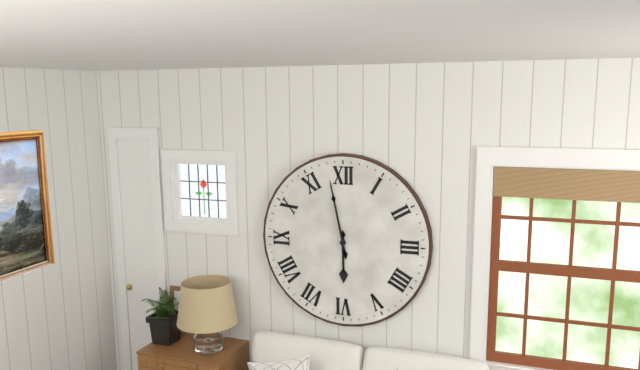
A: **5:58**
